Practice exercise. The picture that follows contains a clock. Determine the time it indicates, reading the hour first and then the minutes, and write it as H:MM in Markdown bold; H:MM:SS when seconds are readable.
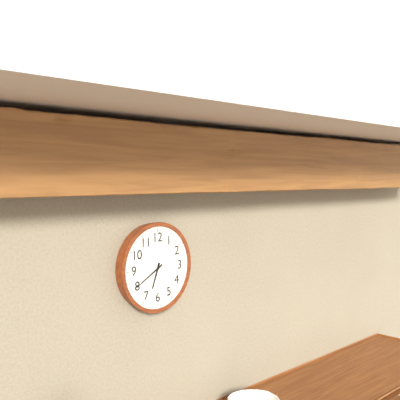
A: **6:40**
